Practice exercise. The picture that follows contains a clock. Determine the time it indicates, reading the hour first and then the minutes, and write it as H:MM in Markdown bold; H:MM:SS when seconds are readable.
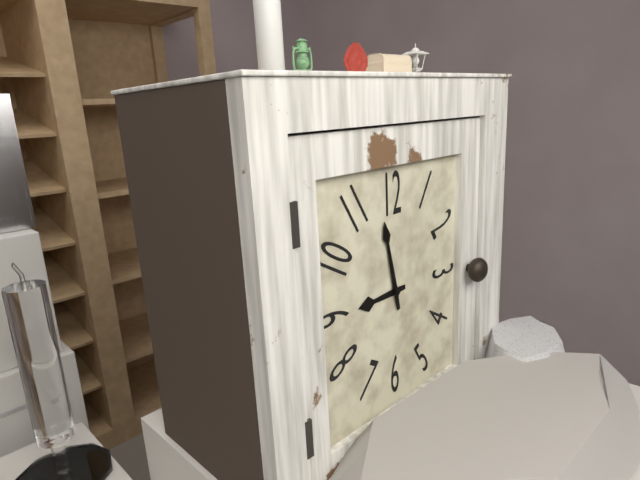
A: **8:58**
